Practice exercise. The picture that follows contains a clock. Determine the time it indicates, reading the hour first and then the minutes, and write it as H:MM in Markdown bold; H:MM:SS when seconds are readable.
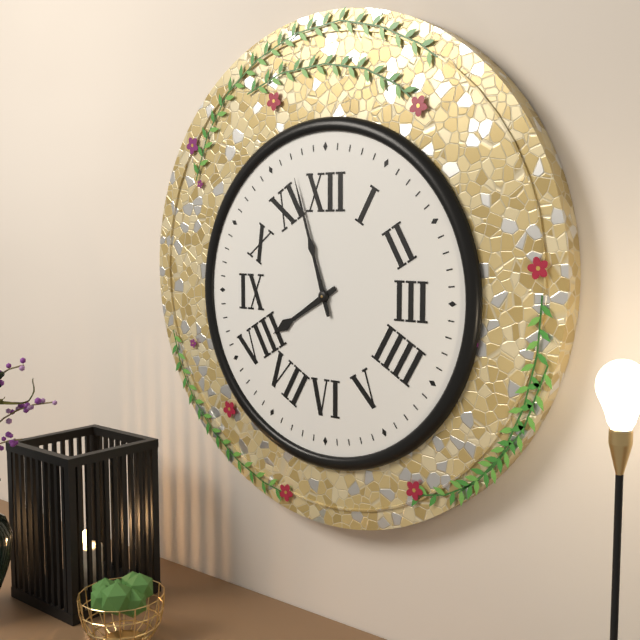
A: **7:57**
